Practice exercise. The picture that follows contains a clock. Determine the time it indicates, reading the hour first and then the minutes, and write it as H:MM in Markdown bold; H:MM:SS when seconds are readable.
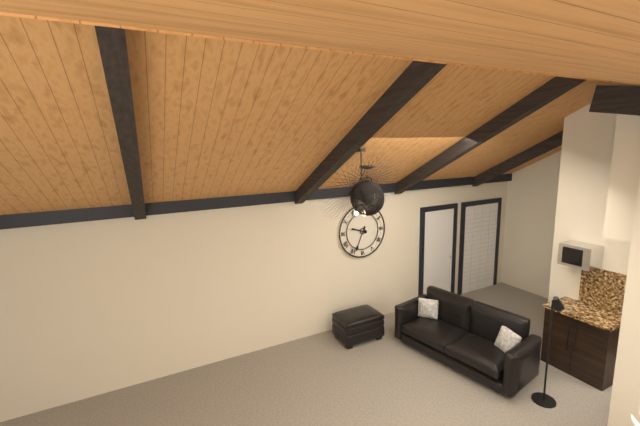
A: **9:34**
